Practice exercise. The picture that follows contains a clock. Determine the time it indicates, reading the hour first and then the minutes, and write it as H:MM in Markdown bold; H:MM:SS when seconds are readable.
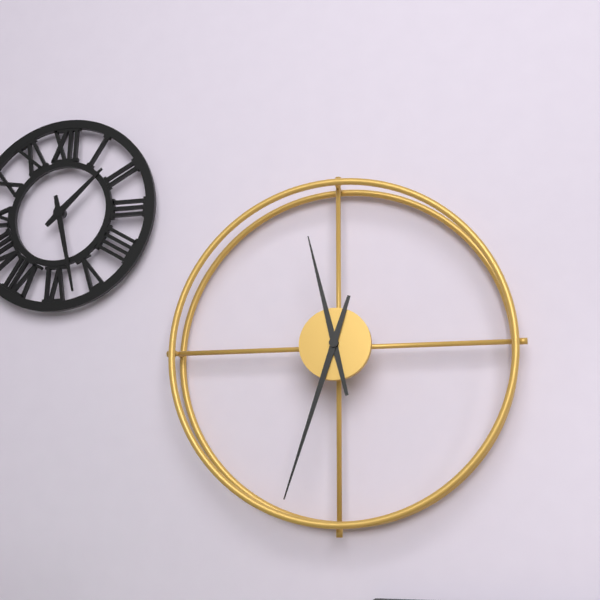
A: **11:33**
